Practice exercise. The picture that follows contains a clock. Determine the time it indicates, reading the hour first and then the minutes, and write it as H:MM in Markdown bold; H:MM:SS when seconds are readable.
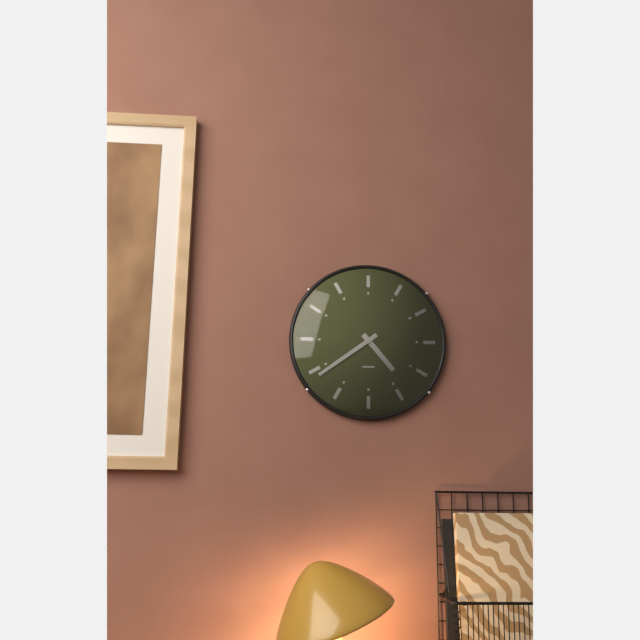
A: **4:39**
